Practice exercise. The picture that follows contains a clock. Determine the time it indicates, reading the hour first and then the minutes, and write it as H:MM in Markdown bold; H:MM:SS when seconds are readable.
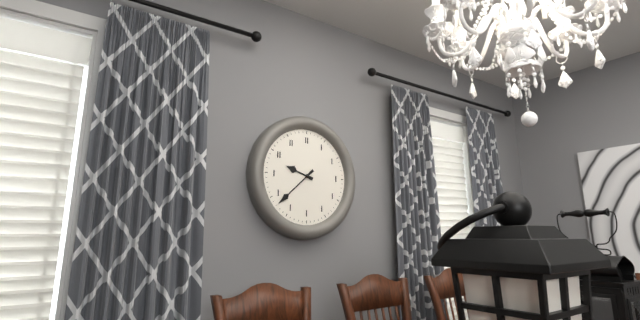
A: **9:38**
